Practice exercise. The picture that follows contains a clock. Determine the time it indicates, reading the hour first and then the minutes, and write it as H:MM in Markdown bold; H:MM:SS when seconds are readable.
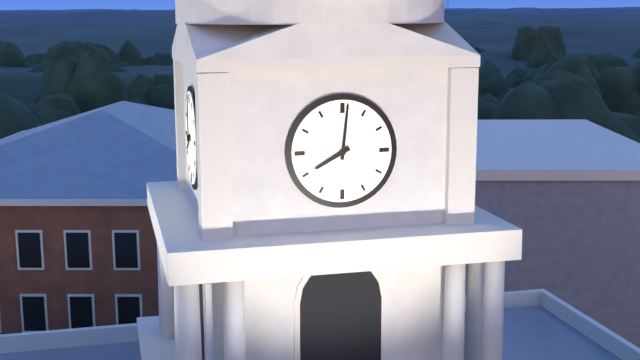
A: **8:01**
